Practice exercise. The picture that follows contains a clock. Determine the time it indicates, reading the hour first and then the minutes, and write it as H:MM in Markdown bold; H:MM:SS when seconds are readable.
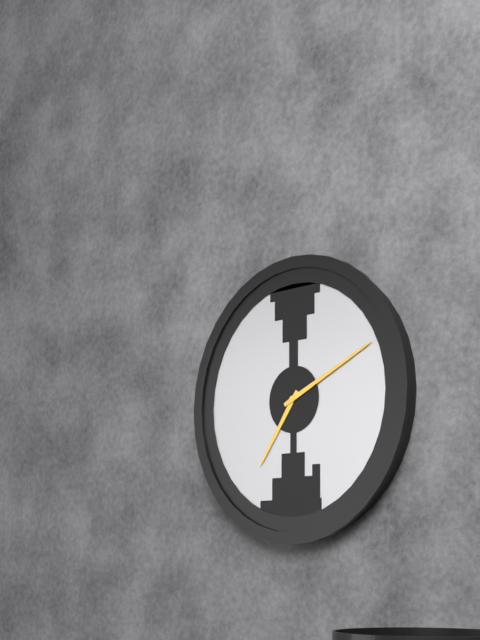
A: **7:11**
